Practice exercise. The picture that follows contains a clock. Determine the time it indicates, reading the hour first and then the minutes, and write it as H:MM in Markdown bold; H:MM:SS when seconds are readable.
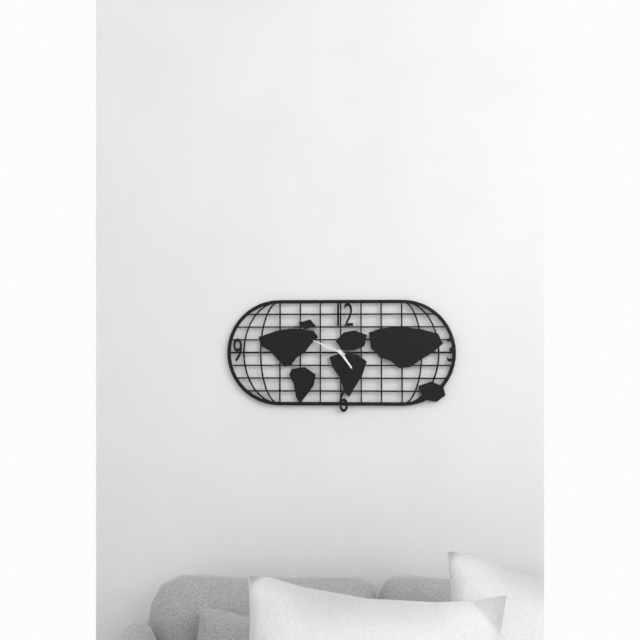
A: **4:49**
